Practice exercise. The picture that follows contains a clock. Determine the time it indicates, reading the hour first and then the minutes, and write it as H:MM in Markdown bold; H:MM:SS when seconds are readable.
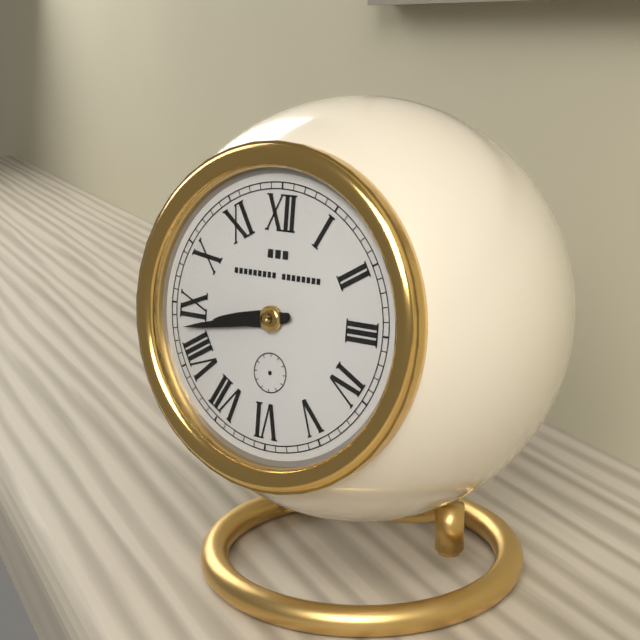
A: **8:43**
